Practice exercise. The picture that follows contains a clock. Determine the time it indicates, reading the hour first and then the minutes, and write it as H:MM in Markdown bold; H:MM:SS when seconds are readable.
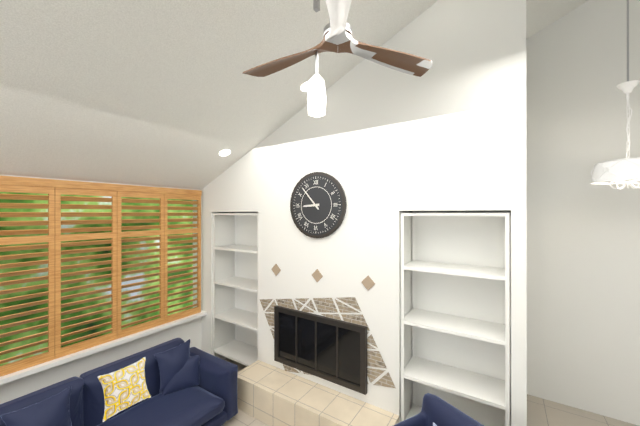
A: **8:53**
